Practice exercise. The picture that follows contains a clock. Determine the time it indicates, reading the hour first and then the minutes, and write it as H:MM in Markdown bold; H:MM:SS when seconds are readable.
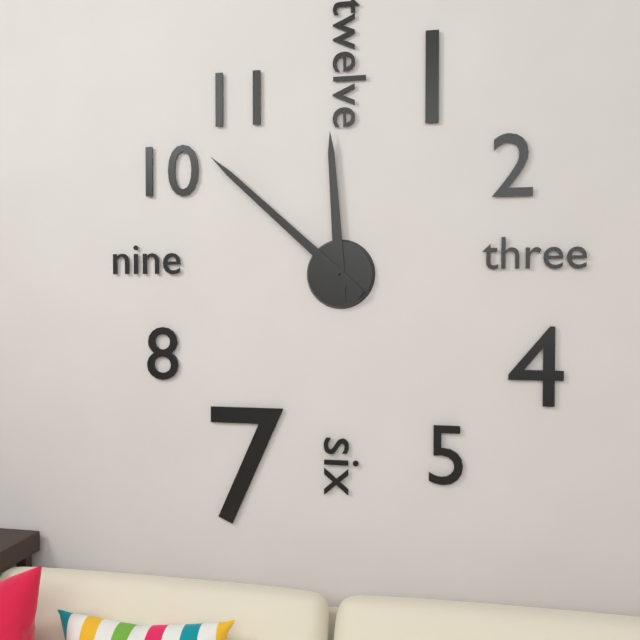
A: **11:52**
